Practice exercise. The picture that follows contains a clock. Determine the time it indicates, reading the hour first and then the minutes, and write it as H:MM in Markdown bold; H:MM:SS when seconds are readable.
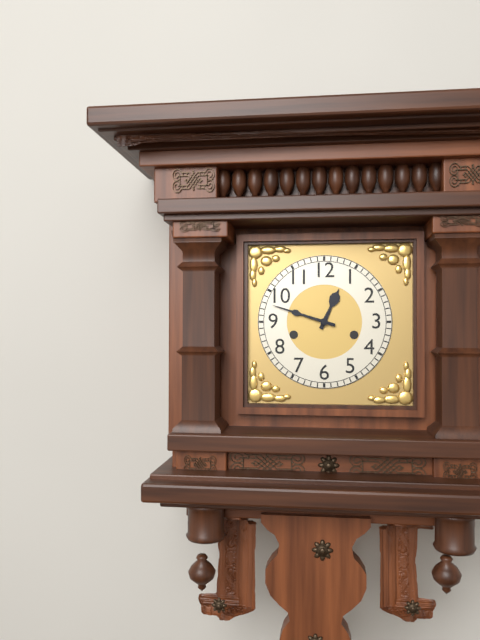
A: **12:48**
